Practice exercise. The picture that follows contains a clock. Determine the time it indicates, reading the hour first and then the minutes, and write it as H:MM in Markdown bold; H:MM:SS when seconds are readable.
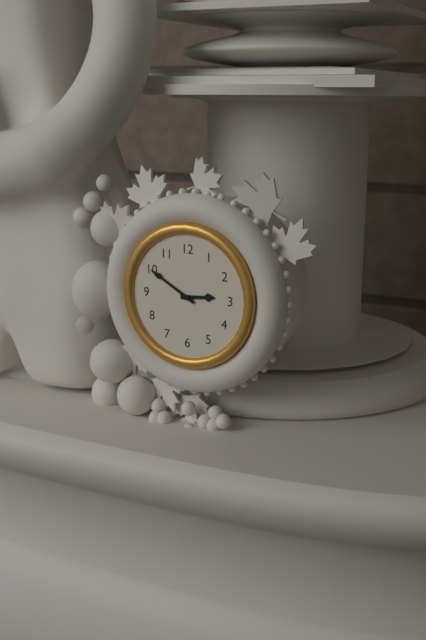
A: **2:50**
